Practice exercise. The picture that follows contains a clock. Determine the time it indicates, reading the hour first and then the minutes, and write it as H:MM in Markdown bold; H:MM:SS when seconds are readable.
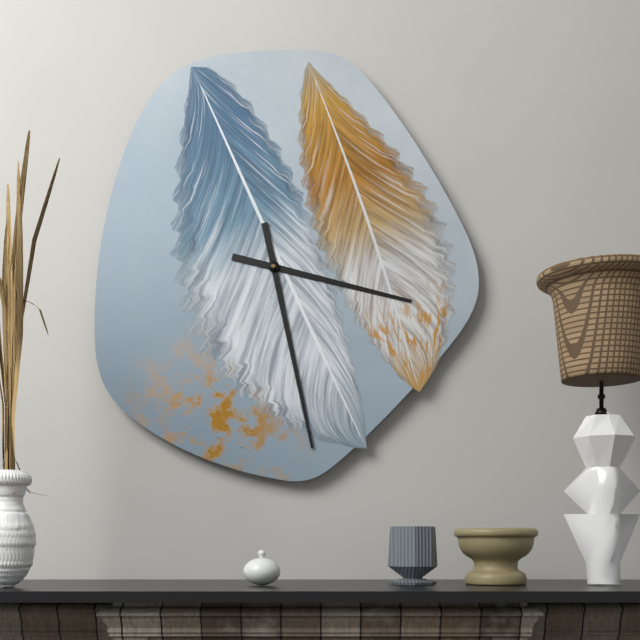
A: **3:28**
